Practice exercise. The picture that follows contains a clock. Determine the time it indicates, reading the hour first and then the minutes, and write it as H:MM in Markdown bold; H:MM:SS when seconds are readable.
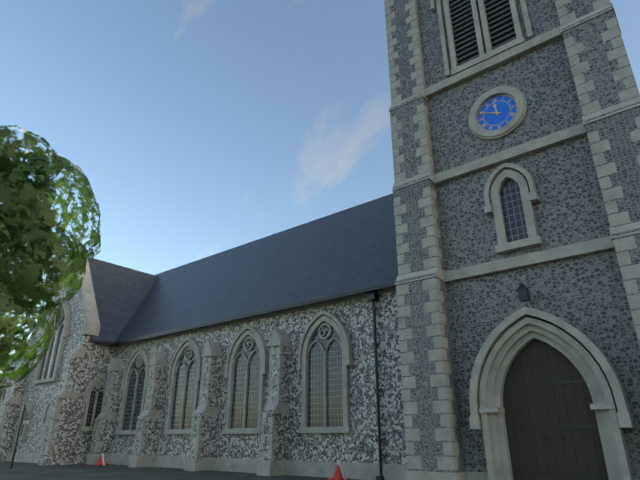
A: **11:49**
